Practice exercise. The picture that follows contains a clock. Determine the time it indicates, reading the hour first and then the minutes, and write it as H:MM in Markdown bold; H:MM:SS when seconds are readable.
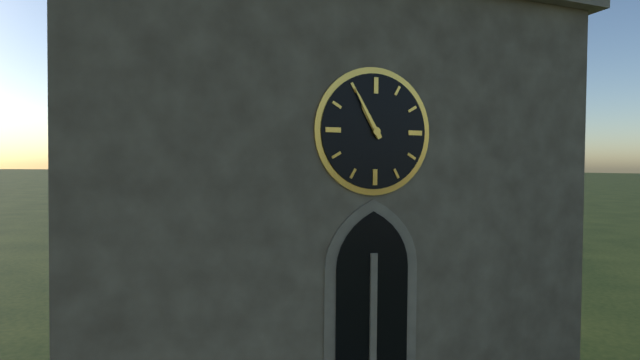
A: **10:55**
